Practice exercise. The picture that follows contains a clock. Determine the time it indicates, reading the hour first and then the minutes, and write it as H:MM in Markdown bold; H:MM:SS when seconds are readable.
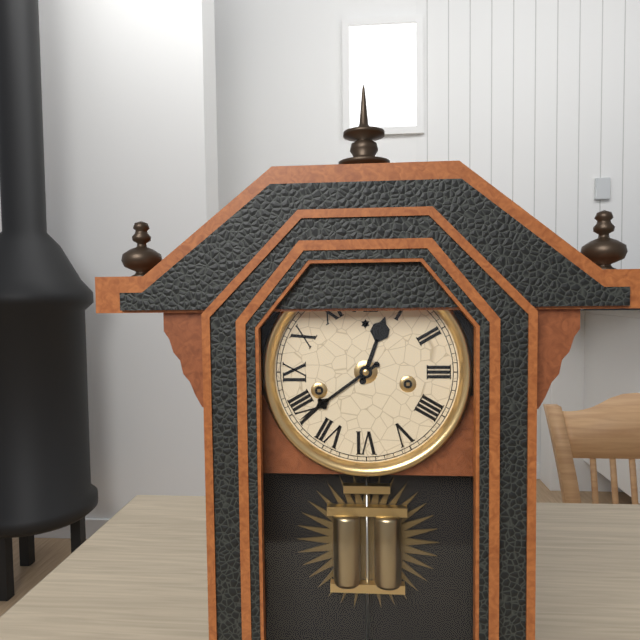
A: **12:39**
